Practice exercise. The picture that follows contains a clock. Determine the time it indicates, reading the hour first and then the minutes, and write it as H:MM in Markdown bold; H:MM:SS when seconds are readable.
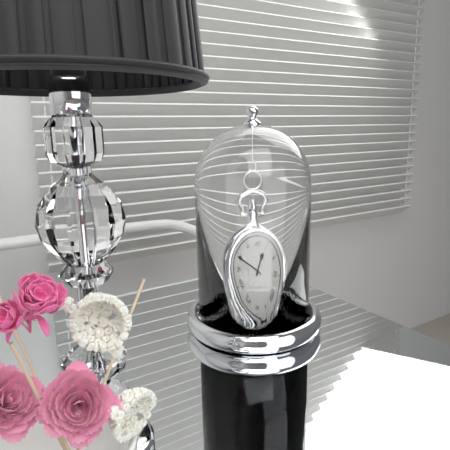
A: **12:49**
